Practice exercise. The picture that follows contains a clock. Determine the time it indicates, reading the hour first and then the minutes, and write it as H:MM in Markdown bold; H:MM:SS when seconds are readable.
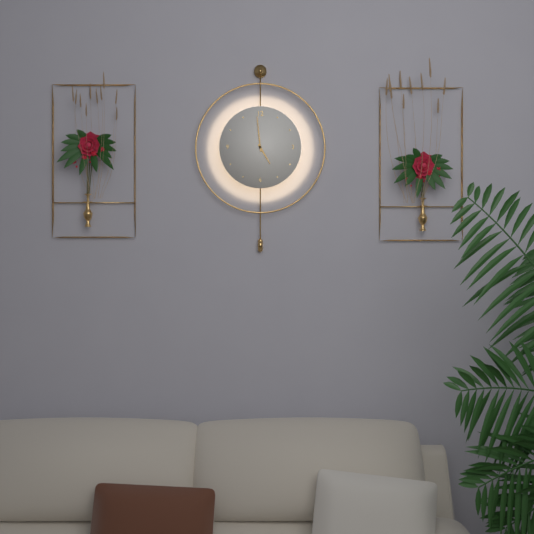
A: **4:59**
